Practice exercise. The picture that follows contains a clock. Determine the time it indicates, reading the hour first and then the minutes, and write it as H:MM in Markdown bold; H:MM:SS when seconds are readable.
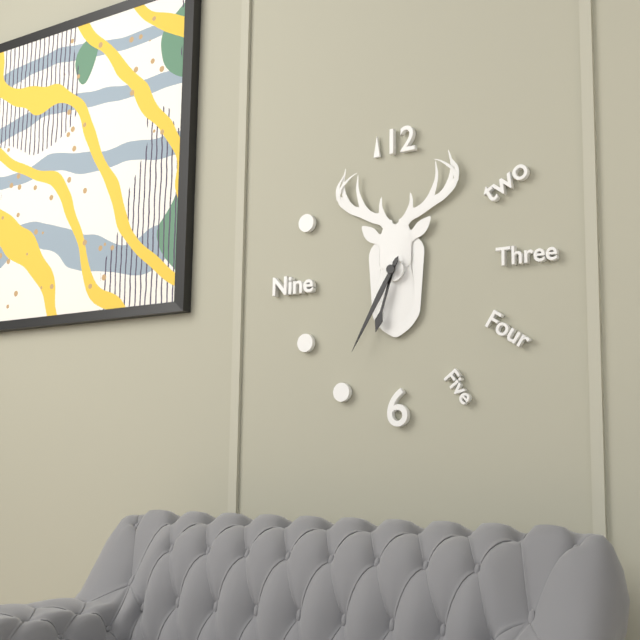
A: **6:35**
